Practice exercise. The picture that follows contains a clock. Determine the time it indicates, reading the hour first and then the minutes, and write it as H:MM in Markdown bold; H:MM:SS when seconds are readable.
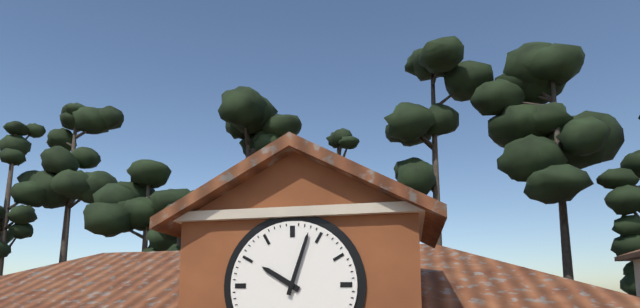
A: **10:03**
